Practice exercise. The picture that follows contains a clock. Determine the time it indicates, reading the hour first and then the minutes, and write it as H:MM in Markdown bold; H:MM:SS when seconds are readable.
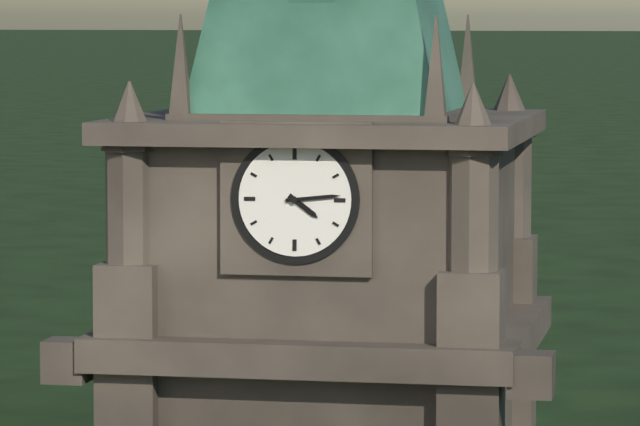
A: **4:14**
